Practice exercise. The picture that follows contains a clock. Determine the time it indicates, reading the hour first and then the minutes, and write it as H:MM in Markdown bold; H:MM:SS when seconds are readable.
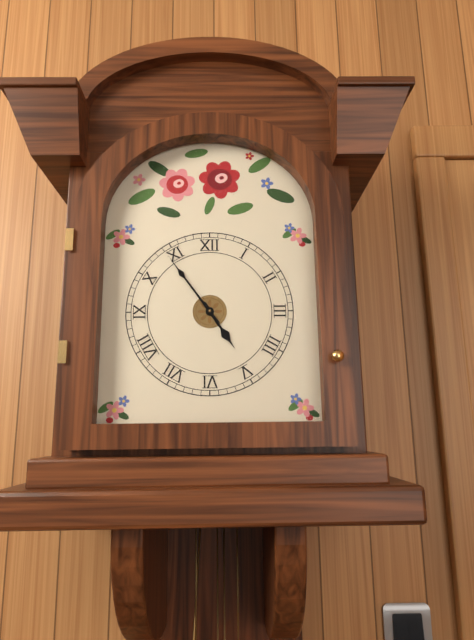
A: **4:54**
